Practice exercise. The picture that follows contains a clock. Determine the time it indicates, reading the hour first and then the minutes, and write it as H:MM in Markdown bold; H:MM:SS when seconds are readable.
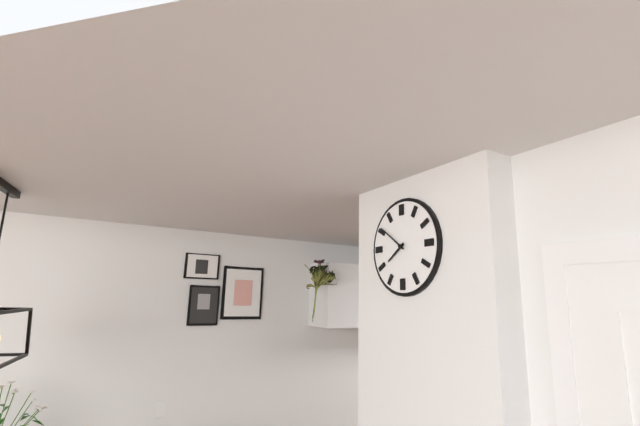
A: **7:51**
